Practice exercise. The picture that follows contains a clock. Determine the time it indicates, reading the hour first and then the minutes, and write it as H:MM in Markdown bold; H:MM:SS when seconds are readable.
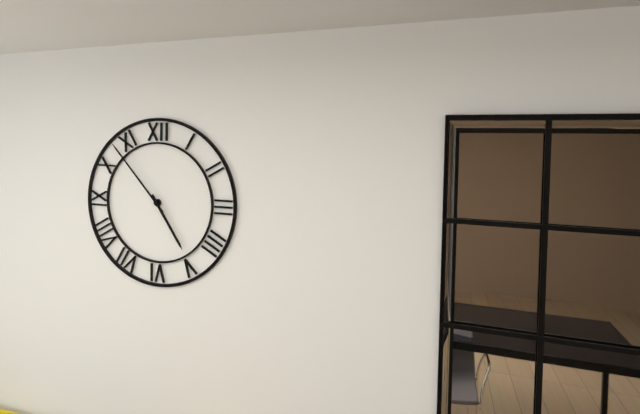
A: **4:53**
